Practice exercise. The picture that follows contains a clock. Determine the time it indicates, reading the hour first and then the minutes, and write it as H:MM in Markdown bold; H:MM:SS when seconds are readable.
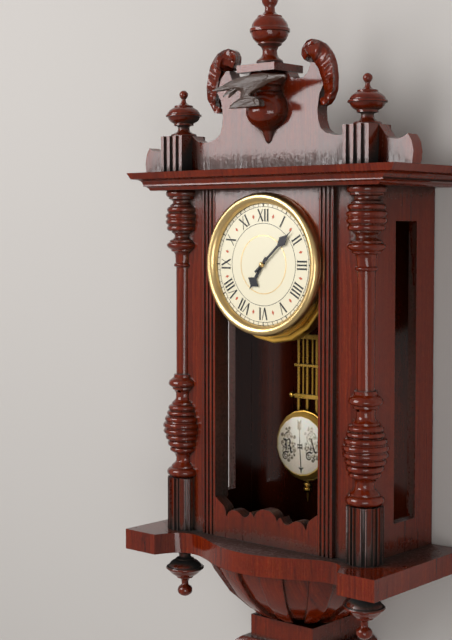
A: **7:08**
